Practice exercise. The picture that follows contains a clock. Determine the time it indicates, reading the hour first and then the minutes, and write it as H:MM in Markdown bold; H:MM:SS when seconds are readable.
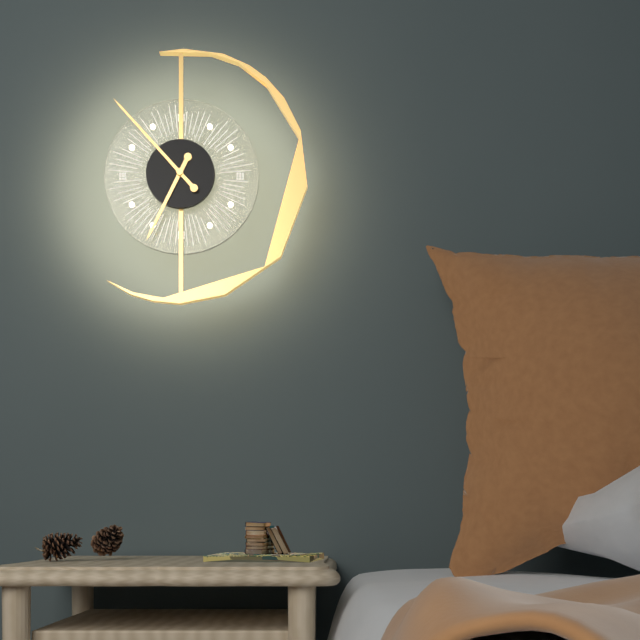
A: **6:53**
